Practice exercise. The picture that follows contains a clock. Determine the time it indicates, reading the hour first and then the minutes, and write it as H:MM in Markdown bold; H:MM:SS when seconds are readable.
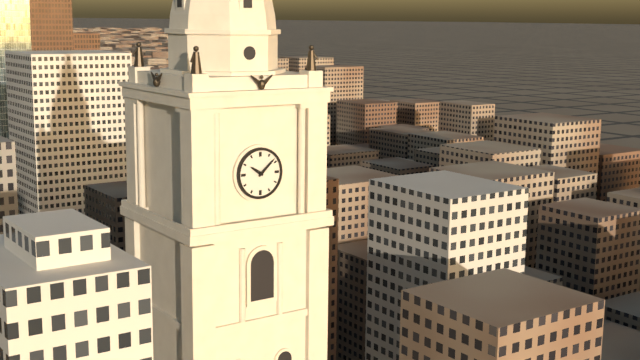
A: **10:08**
